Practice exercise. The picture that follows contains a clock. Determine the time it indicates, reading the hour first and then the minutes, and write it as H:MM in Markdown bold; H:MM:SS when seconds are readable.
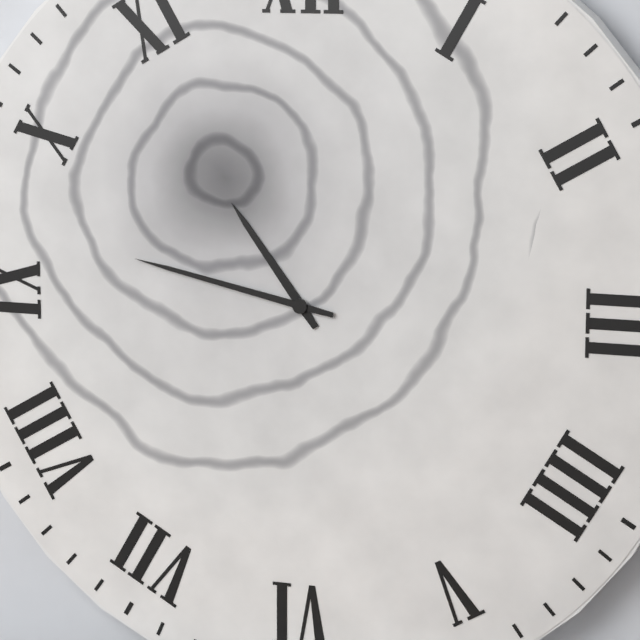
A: **10:47**
